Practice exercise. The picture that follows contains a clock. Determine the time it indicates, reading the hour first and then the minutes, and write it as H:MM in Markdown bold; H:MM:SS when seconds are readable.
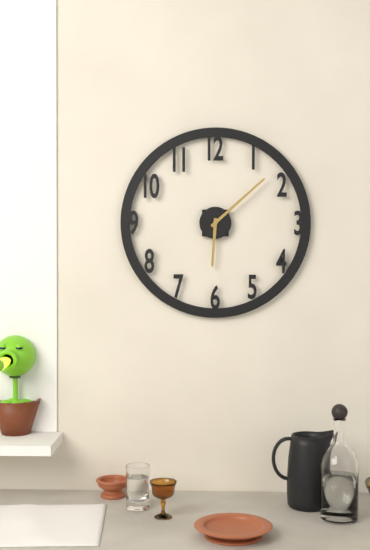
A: **6:08**
